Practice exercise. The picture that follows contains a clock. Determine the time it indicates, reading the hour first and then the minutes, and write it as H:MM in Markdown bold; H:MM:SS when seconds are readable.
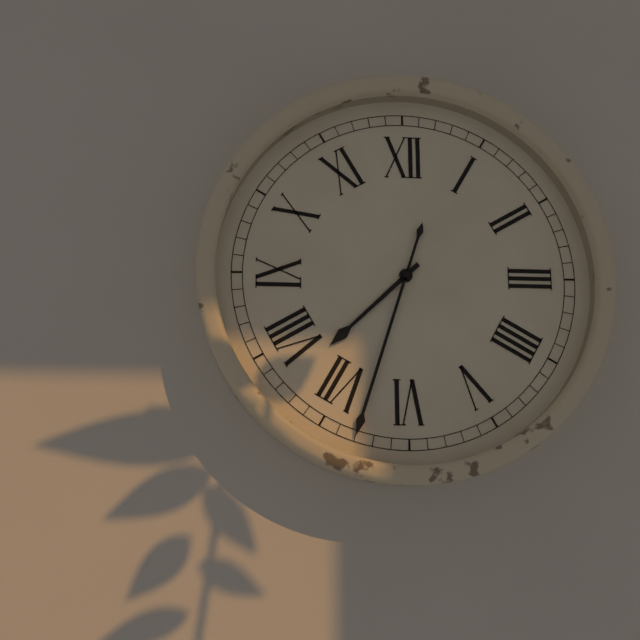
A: **7:33**
